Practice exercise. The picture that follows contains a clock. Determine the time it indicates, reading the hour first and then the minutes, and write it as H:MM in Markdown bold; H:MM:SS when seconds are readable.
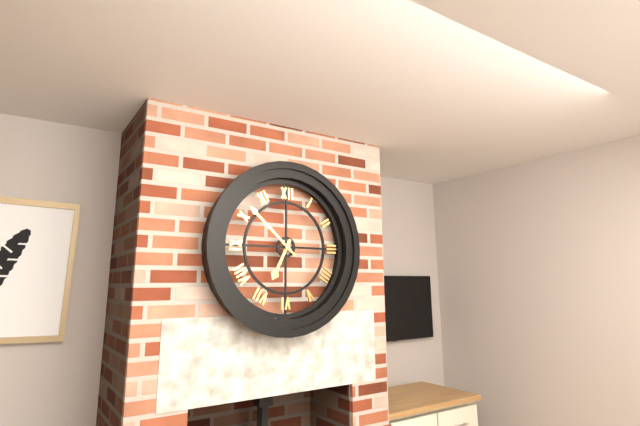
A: **6:52**
